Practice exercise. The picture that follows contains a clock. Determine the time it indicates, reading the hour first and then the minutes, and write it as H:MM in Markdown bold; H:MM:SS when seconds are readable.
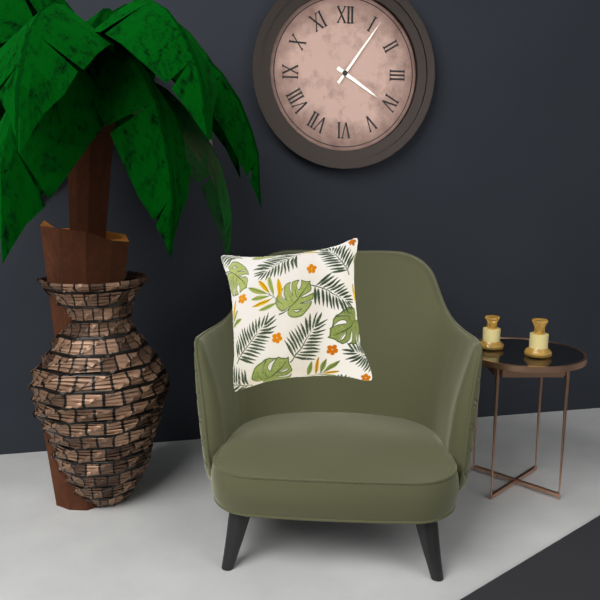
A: **4:06**
